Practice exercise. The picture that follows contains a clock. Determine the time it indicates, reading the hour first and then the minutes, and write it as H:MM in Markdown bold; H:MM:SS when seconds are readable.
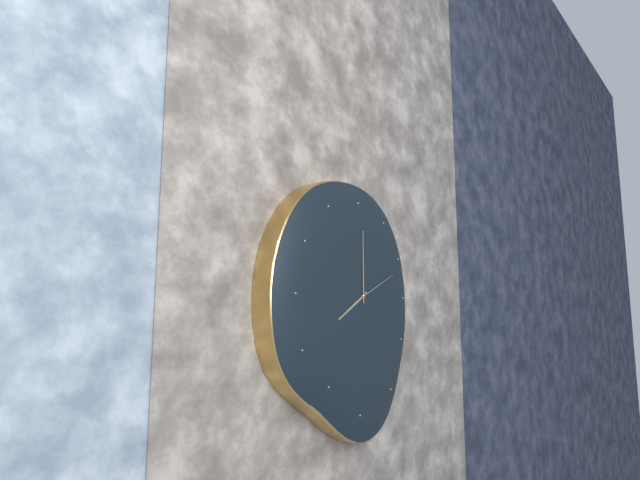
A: **8:00**
